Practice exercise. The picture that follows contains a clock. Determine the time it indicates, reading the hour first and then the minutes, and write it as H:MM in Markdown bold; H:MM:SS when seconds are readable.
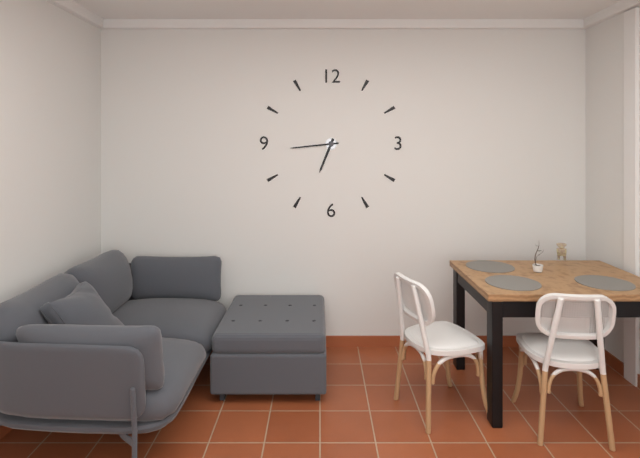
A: **6:44**
